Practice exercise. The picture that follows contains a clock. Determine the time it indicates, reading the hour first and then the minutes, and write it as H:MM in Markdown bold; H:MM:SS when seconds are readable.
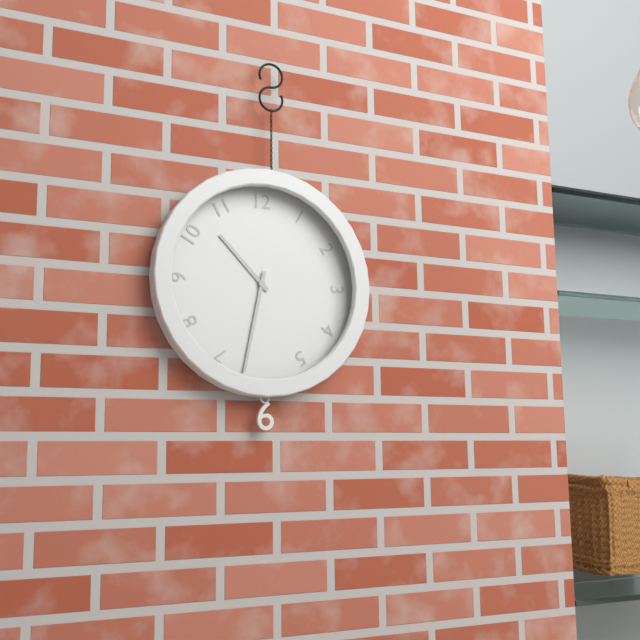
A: **10:32**
